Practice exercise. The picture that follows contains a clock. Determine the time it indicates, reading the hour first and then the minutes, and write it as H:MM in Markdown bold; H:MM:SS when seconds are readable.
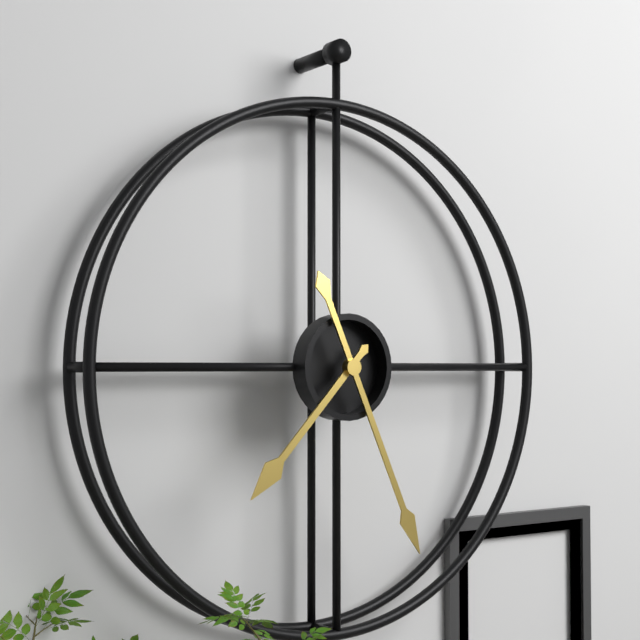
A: **7:26**
